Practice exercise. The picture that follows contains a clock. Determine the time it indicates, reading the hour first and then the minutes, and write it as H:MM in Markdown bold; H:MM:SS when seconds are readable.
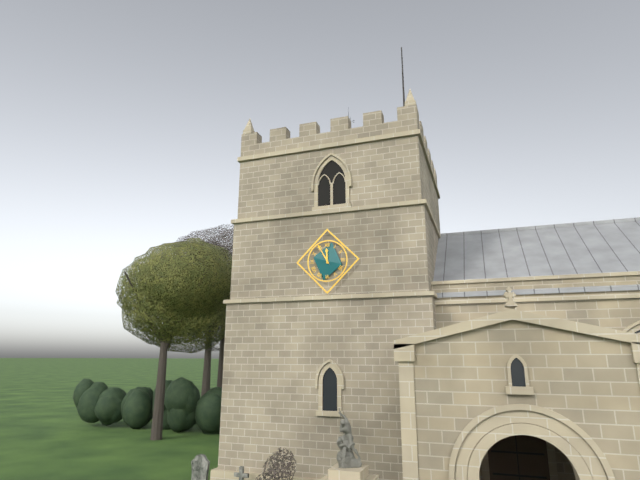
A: **11:55**
